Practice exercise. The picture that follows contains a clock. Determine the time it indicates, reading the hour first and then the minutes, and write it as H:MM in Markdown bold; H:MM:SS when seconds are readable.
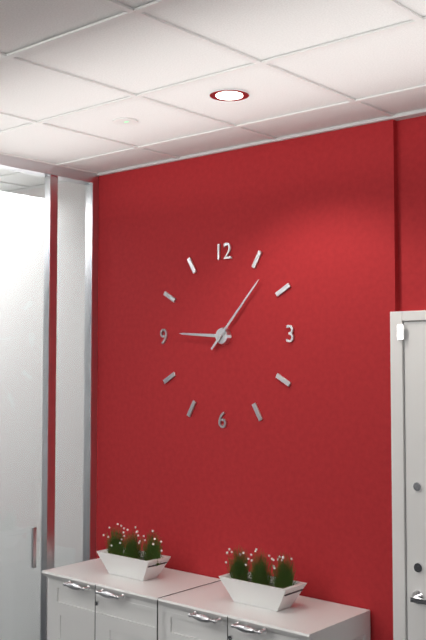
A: **9:07**
